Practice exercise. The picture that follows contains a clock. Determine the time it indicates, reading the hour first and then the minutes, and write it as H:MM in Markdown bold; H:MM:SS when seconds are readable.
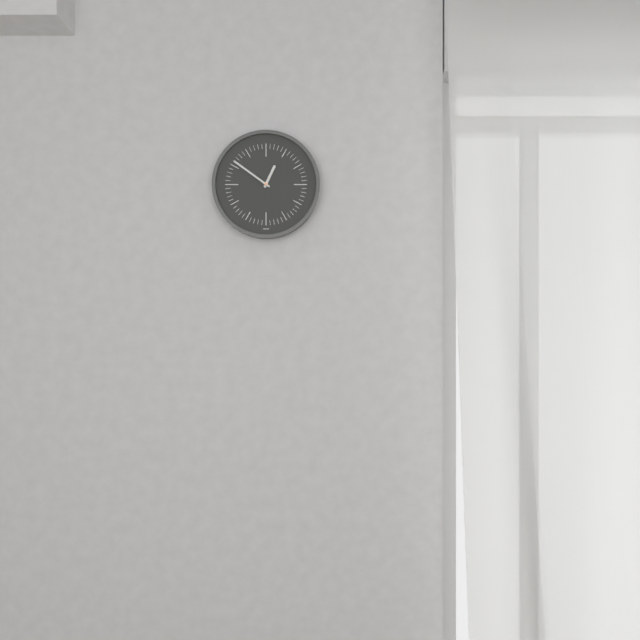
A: **12:51**
